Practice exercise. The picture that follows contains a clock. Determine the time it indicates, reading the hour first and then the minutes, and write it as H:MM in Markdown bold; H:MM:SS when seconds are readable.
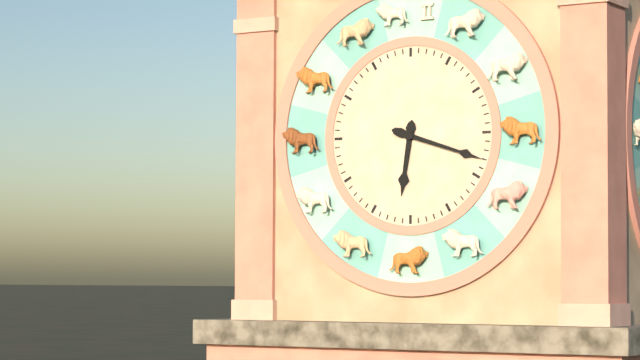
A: **6:18**
